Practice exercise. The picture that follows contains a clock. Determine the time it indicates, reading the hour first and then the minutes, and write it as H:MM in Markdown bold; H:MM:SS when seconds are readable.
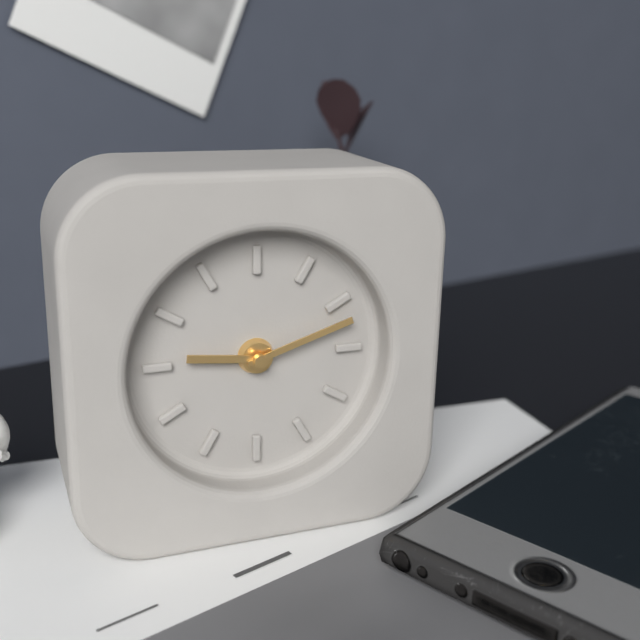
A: **9:12**
